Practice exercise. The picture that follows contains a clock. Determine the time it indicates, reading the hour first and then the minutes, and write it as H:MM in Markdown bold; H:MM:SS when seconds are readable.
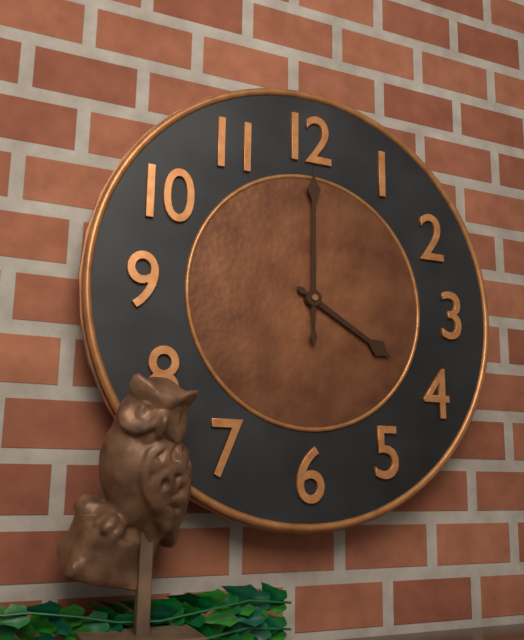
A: **4:00**
